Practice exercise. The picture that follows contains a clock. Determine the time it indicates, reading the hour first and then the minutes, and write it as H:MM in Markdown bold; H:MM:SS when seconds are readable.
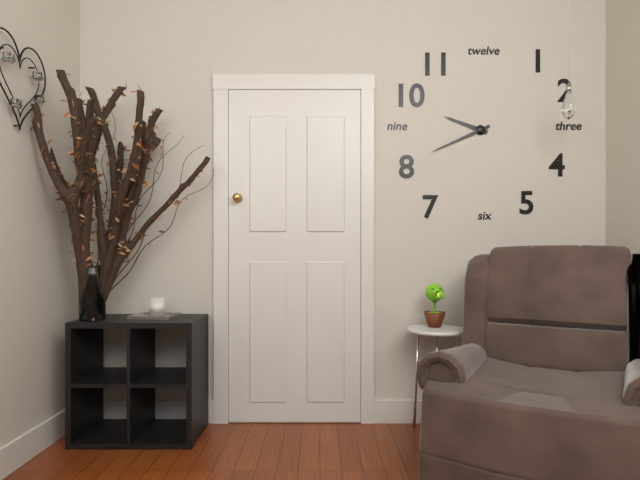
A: **9:41**
